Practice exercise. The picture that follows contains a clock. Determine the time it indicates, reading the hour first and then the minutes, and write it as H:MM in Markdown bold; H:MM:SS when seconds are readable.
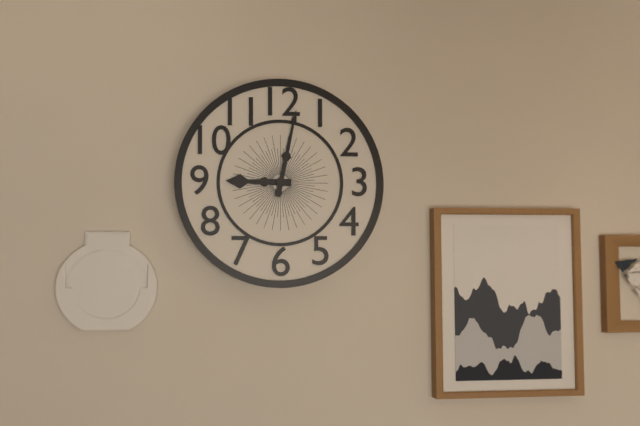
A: **9:02**
